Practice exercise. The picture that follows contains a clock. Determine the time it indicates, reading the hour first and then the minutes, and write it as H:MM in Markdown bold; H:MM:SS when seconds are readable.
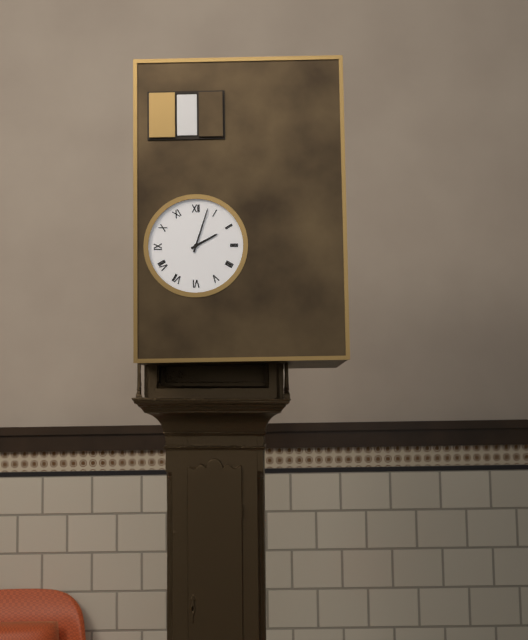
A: **2:03**
